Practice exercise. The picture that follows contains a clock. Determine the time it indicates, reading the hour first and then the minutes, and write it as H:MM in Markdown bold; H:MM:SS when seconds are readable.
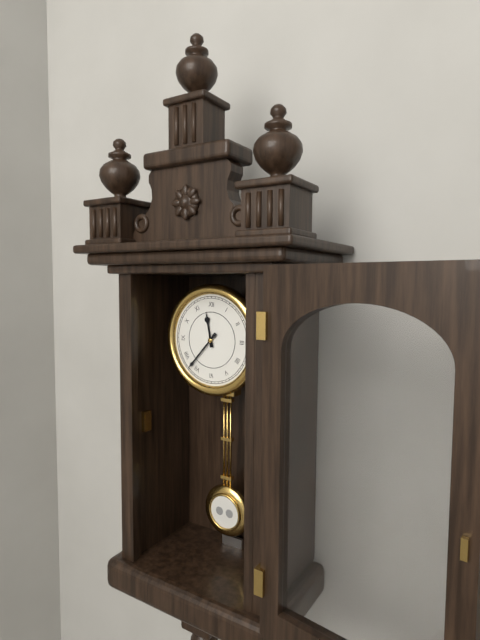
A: **11:37**
